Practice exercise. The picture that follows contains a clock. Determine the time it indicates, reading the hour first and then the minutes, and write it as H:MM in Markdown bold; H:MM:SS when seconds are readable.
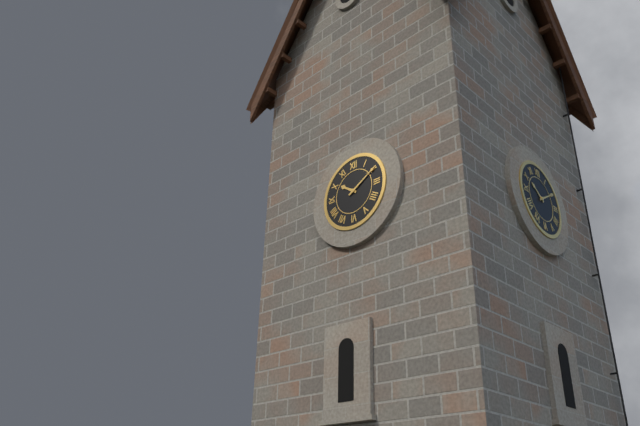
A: **10:10**
